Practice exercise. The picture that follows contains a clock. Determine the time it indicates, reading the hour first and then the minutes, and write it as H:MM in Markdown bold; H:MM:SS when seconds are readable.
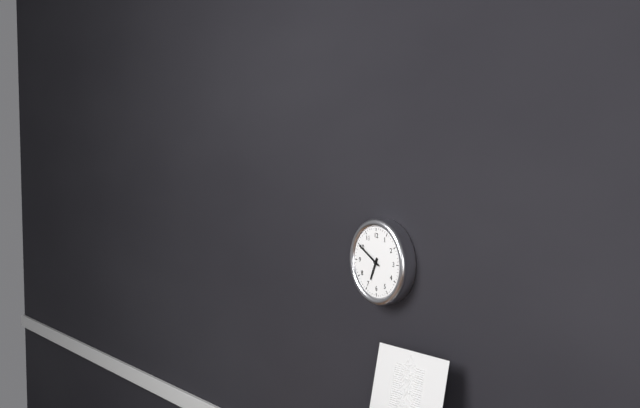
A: **6:50**
